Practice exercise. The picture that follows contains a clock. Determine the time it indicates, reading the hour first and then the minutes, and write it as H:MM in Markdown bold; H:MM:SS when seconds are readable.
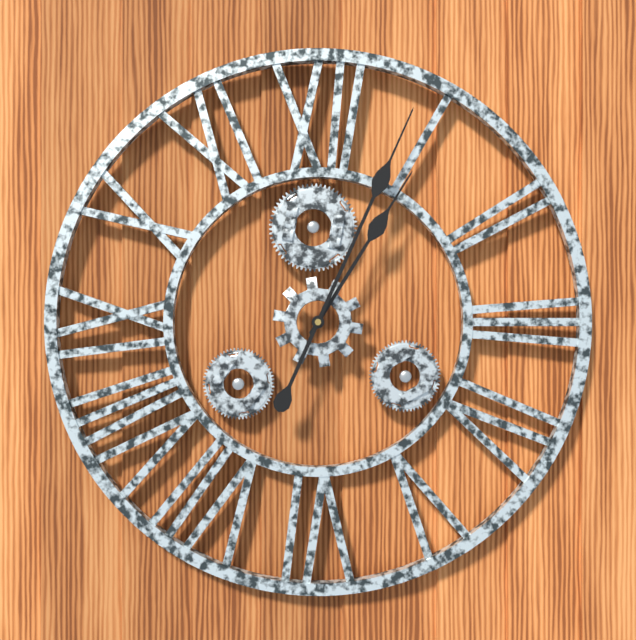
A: **1:04**
